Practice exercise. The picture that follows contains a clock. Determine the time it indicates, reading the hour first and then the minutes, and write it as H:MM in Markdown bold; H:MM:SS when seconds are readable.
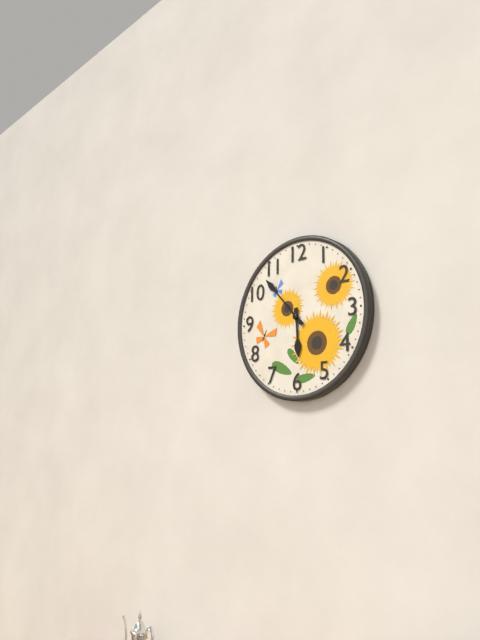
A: **5:53**
